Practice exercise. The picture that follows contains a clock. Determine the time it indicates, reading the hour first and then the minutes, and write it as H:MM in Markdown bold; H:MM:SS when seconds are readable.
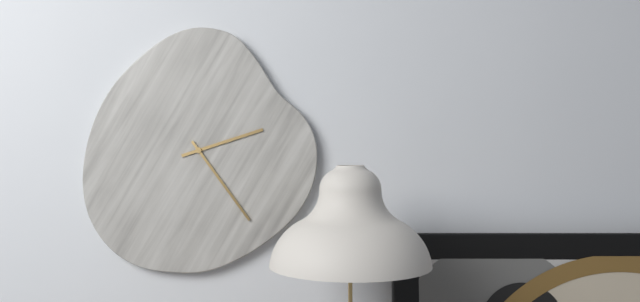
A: **2:24**
